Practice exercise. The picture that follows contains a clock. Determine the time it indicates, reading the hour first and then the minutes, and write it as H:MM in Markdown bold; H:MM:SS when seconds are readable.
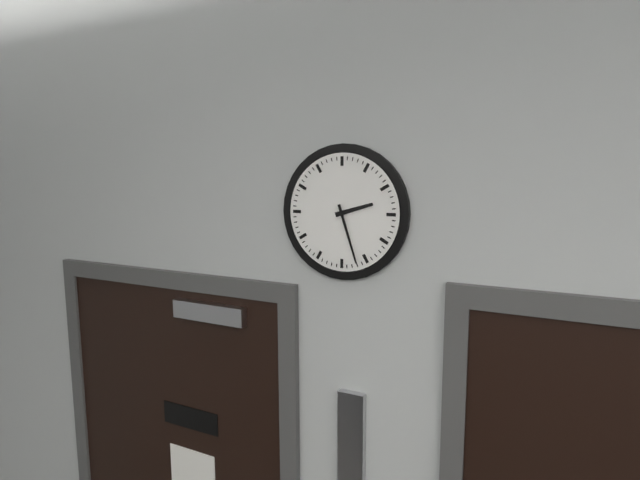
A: **2:27**
